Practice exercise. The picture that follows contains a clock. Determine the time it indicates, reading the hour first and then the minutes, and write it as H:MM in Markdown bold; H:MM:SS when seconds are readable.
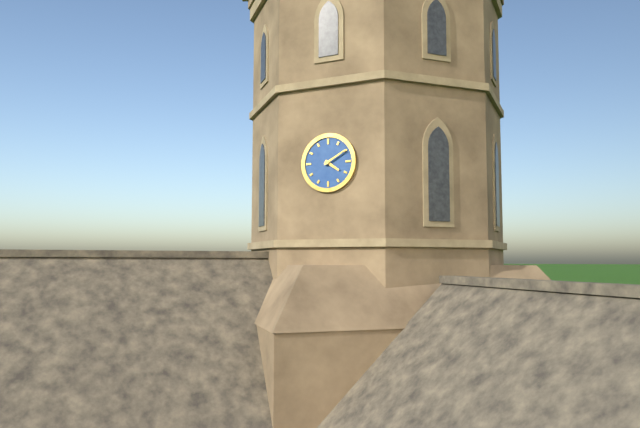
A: **4:10**
